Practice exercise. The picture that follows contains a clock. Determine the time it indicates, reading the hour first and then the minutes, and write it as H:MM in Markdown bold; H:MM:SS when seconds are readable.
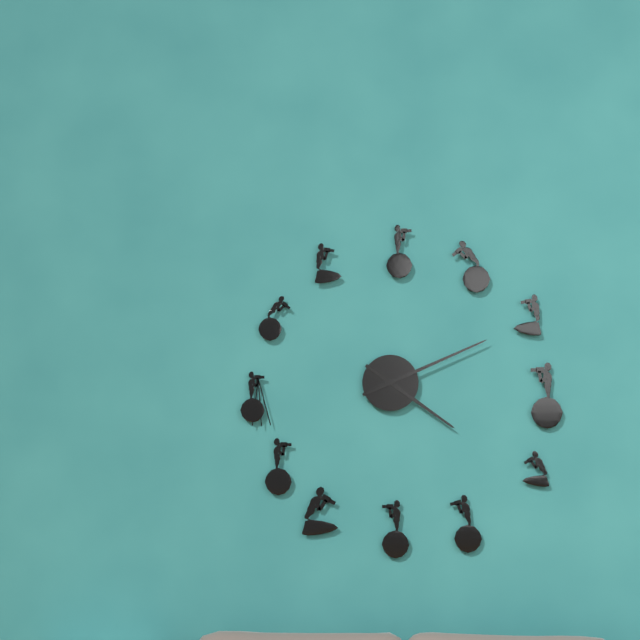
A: **4:11**
